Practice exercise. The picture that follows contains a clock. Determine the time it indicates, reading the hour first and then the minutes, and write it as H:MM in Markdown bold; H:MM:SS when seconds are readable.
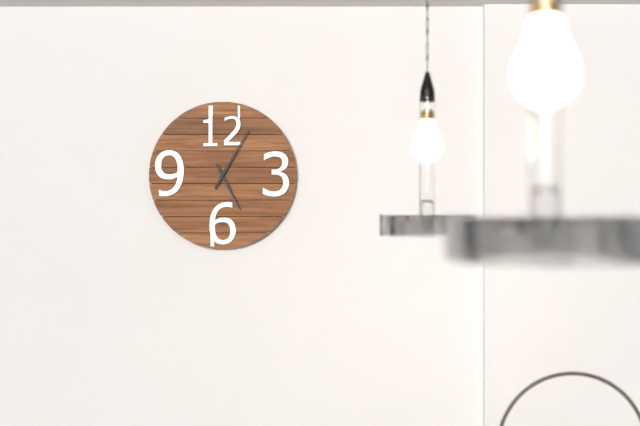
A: **5:05**
